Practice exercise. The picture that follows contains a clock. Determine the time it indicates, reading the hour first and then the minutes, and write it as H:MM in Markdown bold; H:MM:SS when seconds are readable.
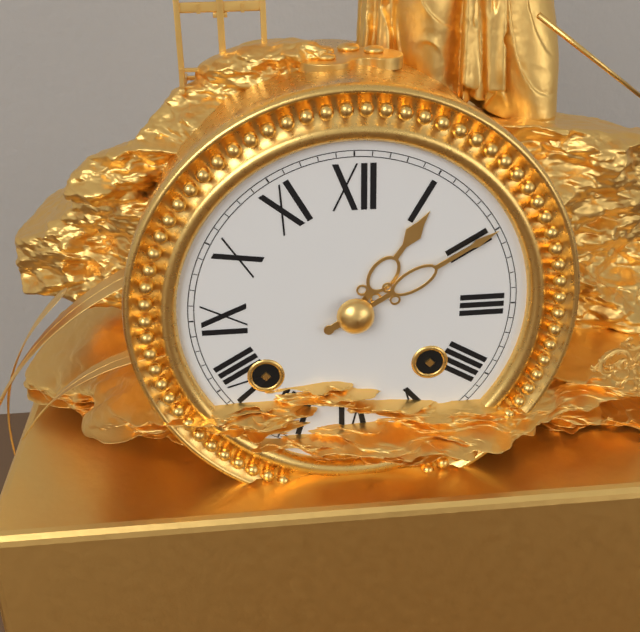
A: **1:10**
